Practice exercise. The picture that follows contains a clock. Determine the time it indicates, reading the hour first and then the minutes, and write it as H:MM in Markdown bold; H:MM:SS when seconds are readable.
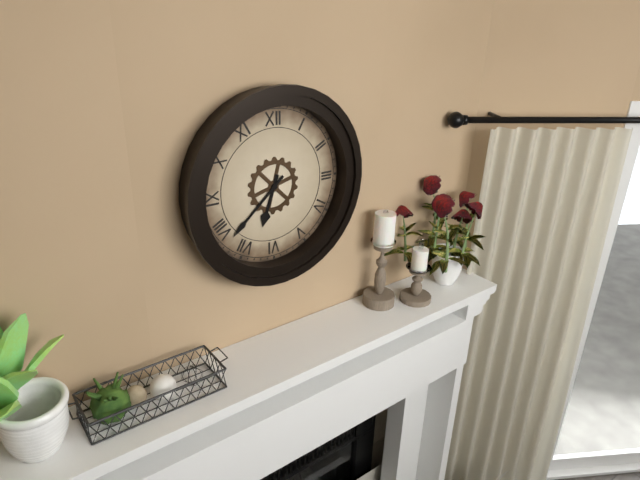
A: **6:38**
